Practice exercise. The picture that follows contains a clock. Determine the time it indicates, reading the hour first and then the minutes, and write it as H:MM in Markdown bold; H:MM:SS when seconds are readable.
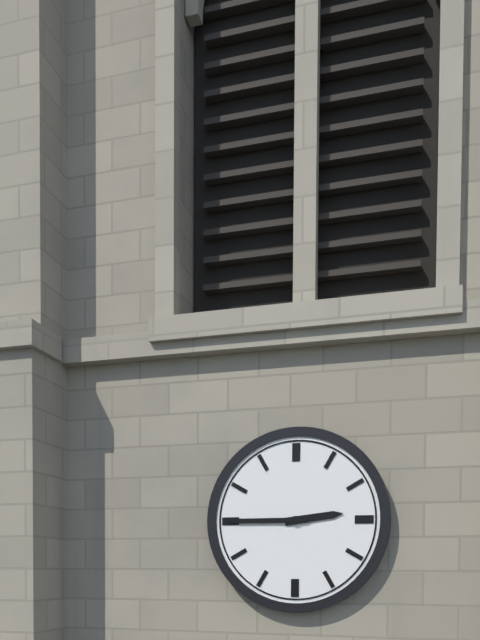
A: **2:45**
